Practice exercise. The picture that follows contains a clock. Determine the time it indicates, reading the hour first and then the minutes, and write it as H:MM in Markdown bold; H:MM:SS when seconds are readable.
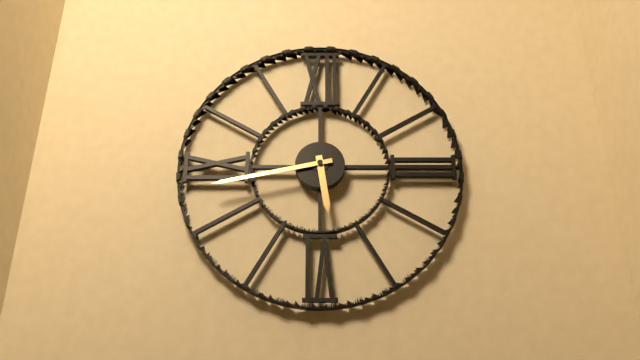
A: **5:43**
